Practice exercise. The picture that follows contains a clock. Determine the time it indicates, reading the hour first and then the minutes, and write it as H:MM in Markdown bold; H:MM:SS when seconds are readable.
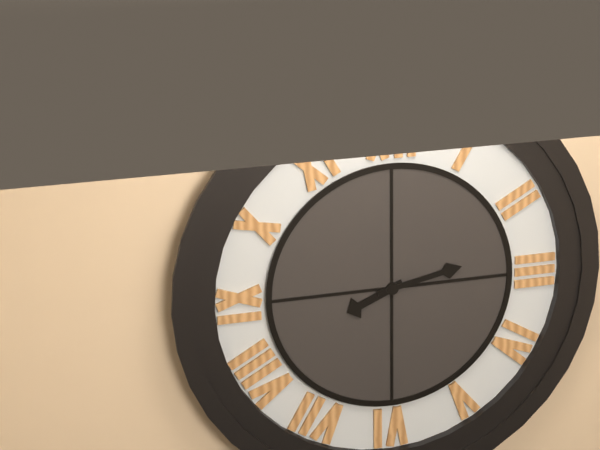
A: **8:13**
